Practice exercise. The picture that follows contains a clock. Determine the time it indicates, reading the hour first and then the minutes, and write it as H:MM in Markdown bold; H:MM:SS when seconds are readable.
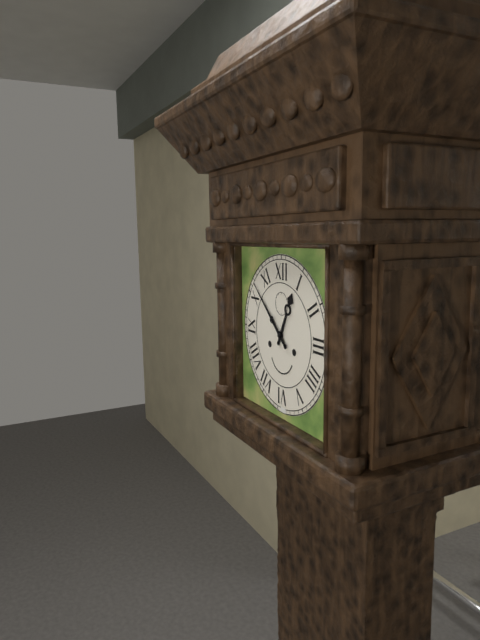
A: **12:52**
